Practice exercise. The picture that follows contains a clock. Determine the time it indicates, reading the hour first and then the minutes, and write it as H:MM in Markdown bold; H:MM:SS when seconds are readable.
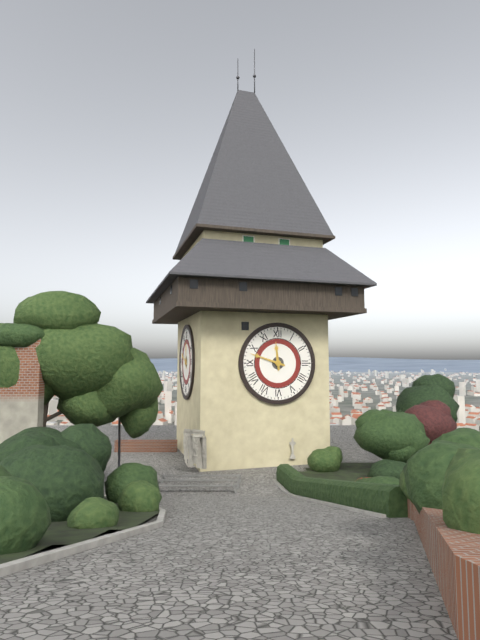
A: **11:48**
